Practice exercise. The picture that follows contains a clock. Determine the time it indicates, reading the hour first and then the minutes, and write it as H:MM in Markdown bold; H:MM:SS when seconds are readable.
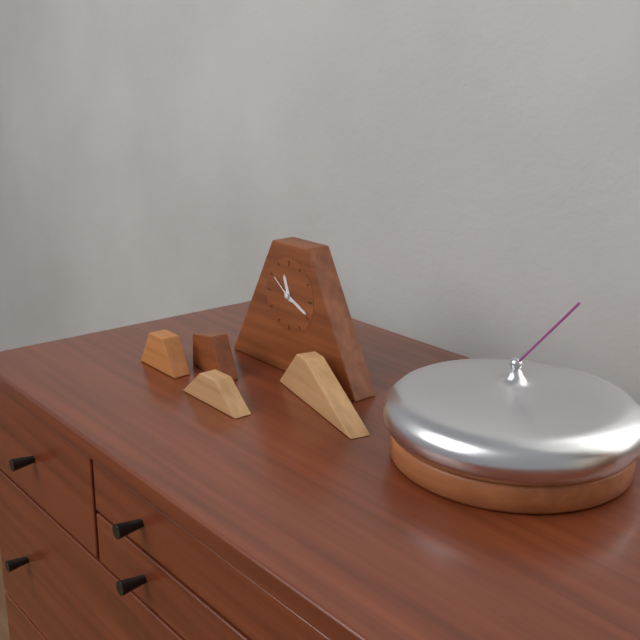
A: **11:19**
